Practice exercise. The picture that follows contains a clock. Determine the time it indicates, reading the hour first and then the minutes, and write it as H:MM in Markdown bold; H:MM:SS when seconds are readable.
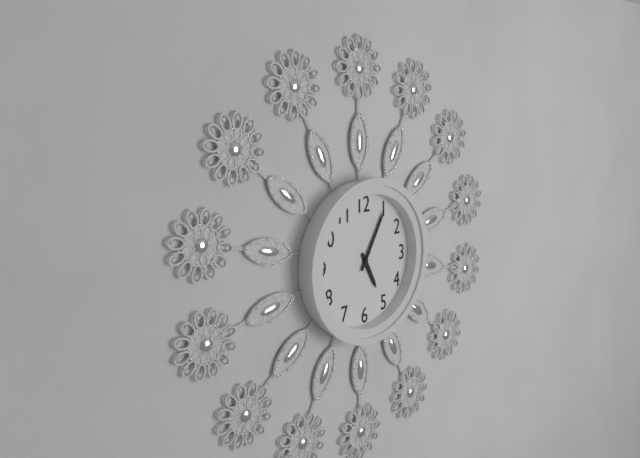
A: **5:05**
